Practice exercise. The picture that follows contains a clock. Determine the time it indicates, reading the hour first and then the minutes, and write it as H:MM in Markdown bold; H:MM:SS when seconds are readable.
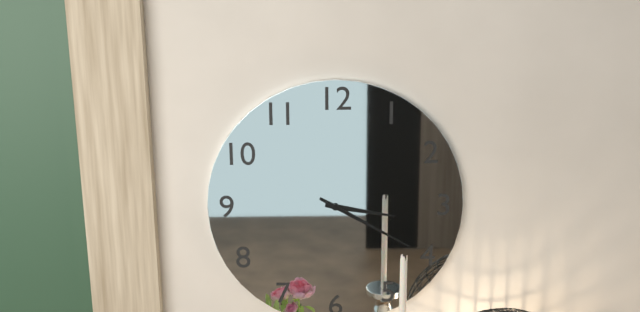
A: **3:20**
